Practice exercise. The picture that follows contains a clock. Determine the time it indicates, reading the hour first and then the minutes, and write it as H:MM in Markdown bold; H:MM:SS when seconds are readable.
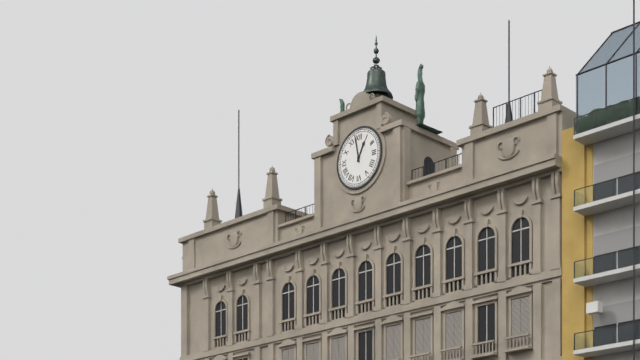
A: **12:58**
